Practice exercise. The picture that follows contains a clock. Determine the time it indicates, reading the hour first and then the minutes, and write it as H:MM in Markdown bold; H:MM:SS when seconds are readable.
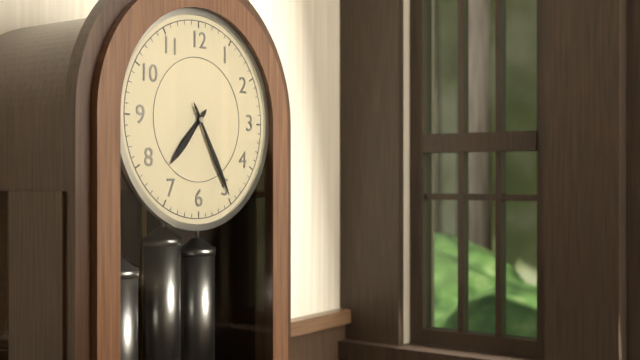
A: **7:25**
